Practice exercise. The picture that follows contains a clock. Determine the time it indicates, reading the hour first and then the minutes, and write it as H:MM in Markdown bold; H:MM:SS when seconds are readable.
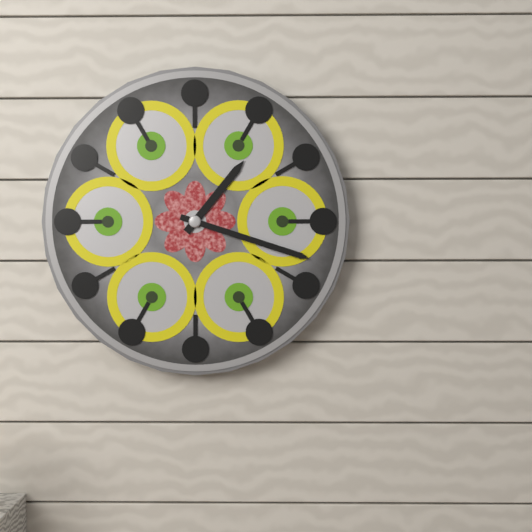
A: **1:18**
